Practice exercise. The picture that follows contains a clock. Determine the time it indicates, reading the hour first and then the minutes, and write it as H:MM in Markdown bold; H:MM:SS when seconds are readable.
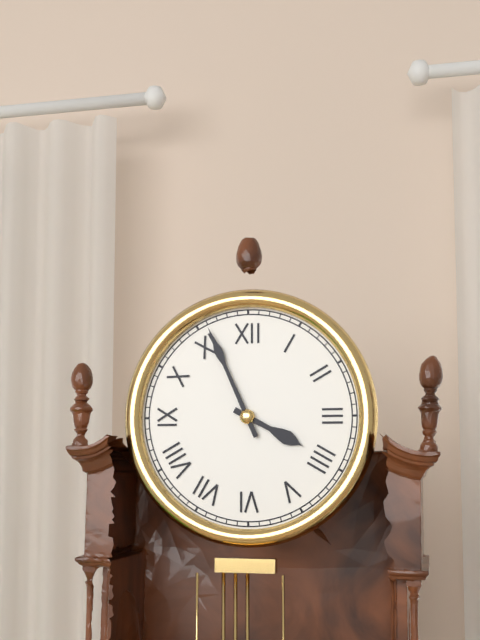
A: **3:56**
